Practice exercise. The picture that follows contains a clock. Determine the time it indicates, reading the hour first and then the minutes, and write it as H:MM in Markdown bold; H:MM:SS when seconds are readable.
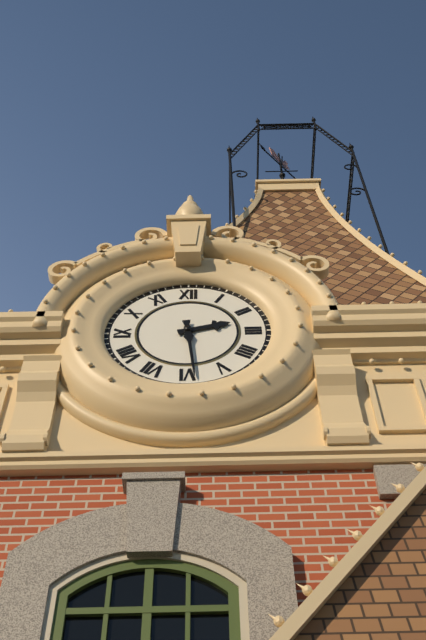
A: **2:29**
